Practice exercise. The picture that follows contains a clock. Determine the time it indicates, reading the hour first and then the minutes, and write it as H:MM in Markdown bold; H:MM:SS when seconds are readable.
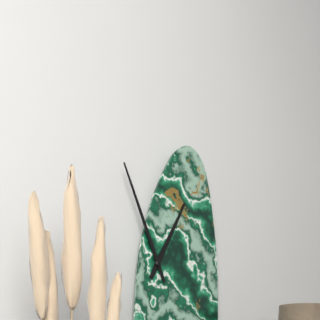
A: **12:56**
